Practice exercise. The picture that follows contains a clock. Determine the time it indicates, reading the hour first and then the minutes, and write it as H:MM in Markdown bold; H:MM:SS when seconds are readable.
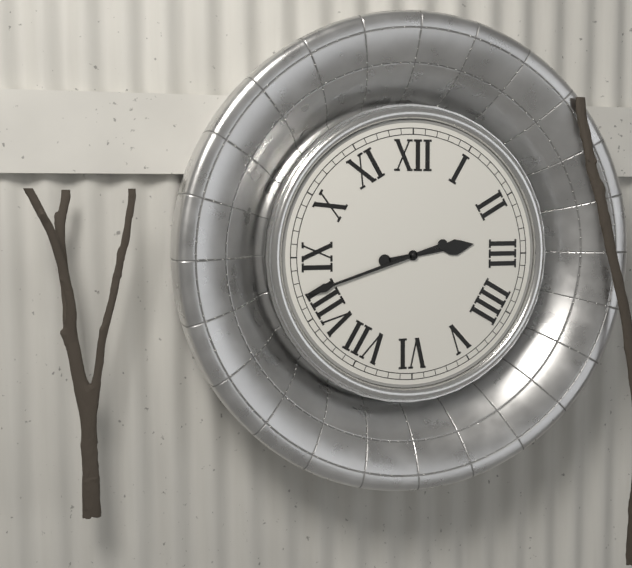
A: **2:42**
